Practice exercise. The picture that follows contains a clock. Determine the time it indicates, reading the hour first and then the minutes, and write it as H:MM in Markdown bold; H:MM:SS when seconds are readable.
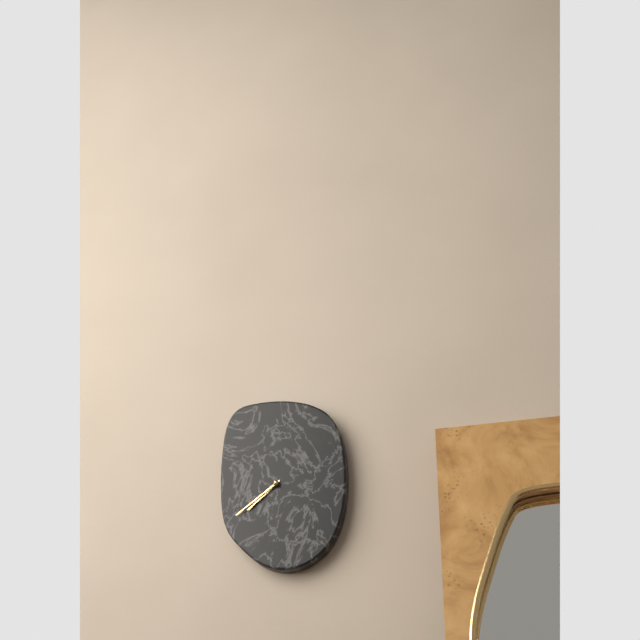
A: **7:39**
